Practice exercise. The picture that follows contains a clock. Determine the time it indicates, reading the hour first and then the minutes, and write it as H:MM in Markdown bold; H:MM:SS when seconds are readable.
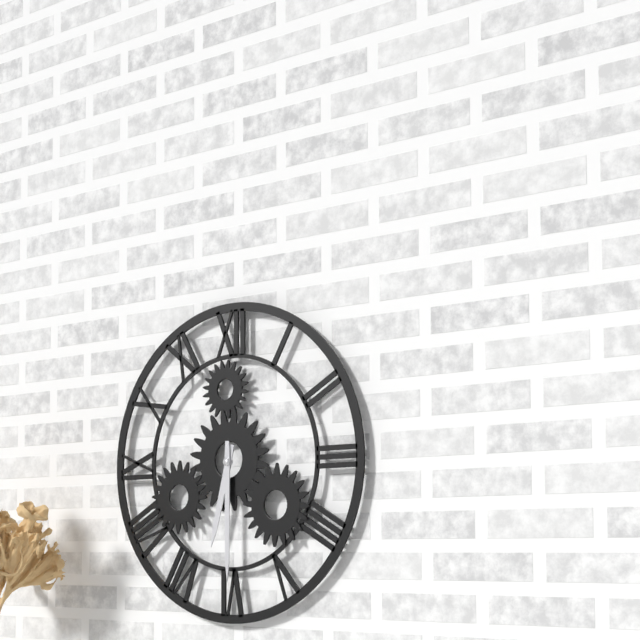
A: **6:30**
